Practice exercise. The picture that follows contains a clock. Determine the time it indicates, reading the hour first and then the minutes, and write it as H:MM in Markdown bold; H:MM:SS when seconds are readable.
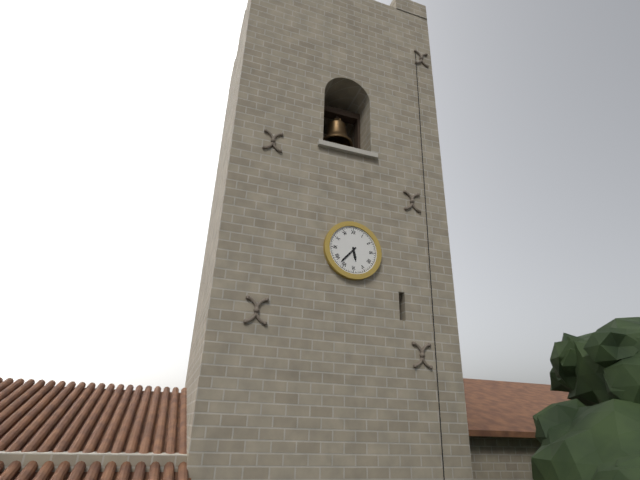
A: **5:37**
